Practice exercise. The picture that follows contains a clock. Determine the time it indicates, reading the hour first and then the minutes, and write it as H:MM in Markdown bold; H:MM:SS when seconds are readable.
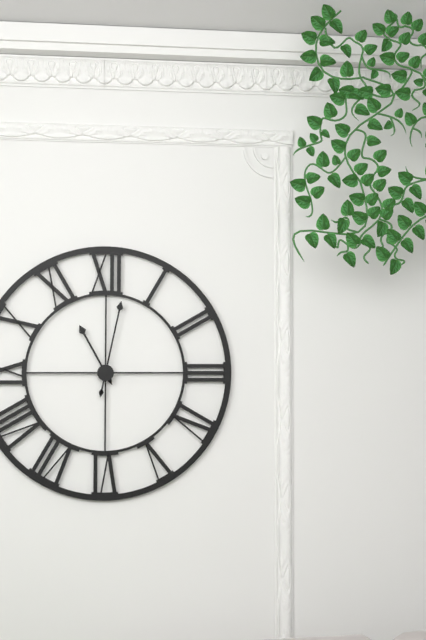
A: **11:02**
